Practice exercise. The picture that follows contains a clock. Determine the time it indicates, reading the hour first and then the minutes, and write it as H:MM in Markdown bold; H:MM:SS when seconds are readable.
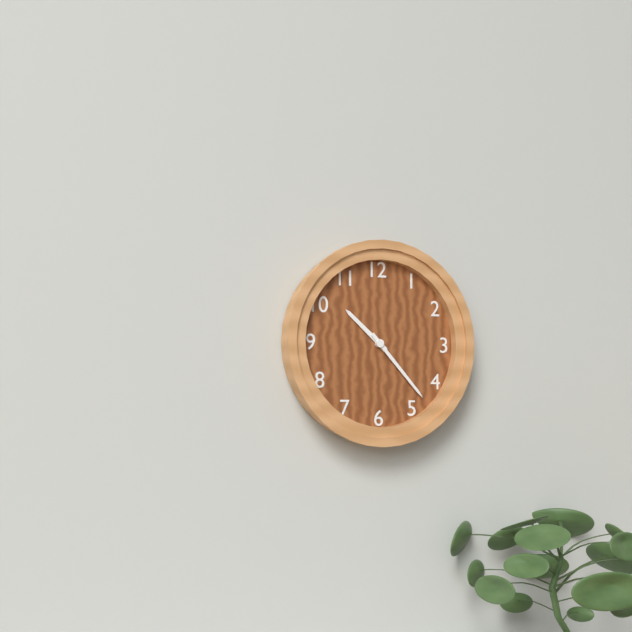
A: **10:23**
